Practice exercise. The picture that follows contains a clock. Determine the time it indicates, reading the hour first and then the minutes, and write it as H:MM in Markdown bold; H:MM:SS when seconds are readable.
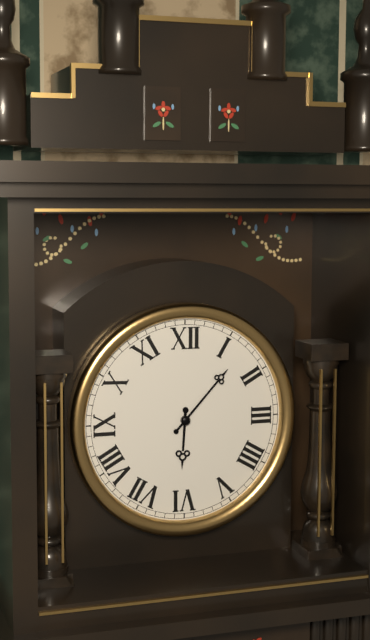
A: **6:07**
